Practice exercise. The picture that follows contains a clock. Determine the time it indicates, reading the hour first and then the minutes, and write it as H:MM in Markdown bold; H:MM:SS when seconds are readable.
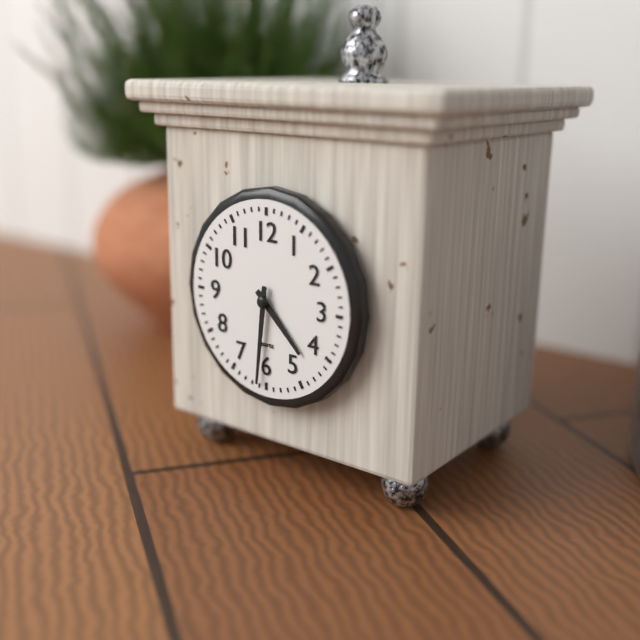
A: **4:31**
